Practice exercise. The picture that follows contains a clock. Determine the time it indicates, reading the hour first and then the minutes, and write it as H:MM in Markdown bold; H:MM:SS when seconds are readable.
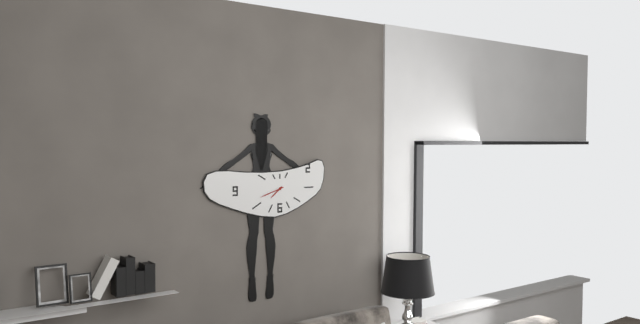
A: **7:42**
